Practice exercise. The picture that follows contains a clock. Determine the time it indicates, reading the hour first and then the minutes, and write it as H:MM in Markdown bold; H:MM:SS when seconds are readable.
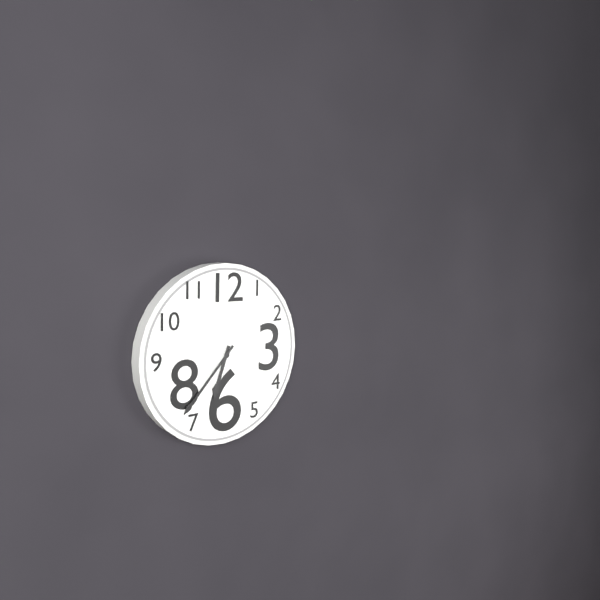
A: **6:37**
